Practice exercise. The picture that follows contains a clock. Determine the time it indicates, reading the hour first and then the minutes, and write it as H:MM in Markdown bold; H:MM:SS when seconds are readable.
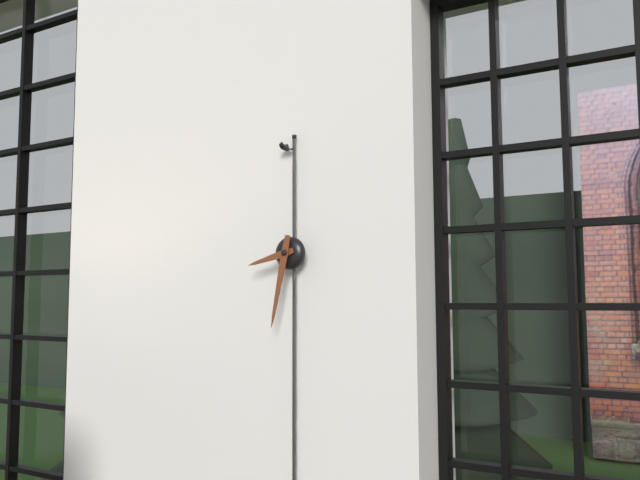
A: **8:32**
